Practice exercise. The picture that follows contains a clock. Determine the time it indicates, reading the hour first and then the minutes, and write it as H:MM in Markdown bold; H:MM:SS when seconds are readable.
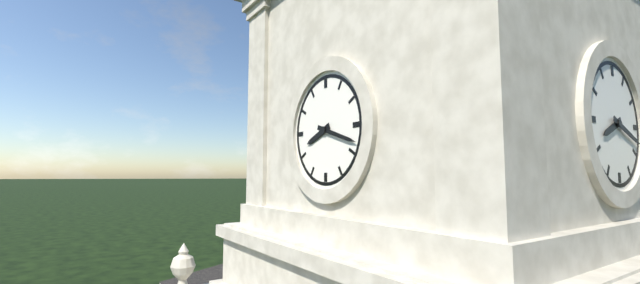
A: **8:18**
